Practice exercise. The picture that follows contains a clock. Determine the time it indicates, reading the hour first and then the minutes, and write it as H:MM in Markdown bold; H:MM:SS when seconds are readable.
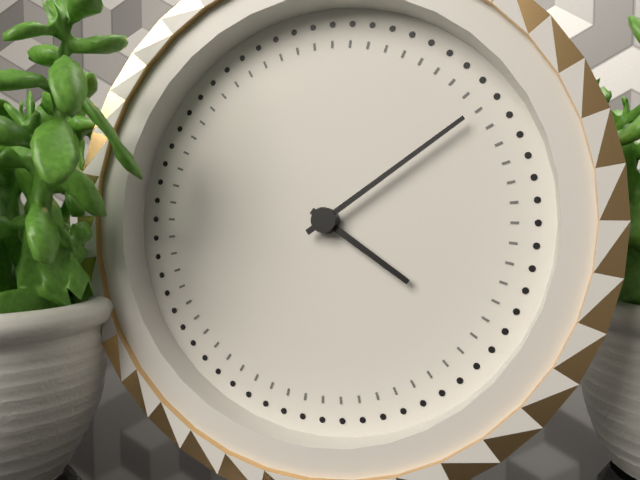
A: **4:09**
